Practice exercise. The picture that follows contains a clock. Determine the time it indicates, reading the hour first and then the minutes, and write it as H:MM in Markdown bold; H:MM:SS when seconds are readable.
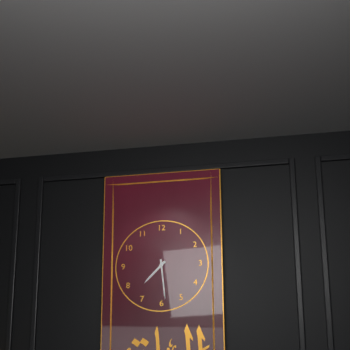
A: **7:29**
